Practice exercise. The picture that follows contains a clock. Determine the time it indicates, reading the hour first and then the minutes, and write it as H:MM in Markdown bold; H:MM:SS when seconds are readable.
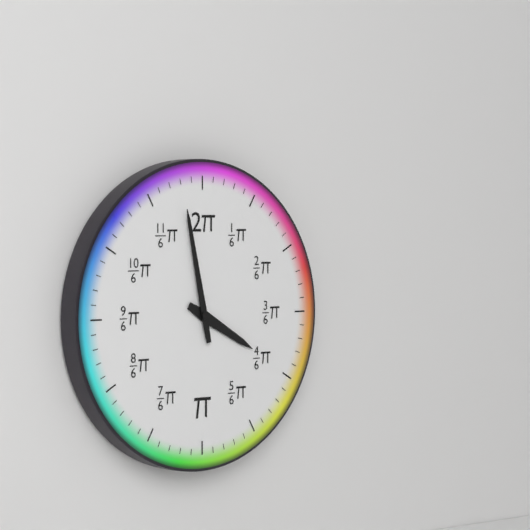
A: **3:58**
